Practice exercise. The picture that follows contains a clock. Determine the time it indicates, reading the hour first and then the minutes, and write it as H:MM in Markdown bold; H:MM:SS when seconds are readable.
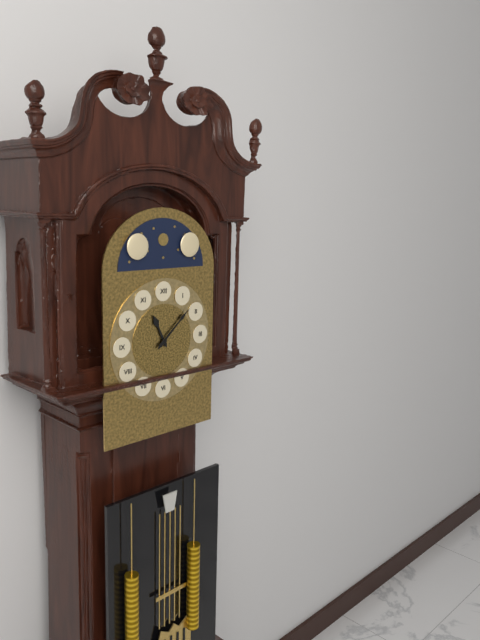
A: **11:08**
